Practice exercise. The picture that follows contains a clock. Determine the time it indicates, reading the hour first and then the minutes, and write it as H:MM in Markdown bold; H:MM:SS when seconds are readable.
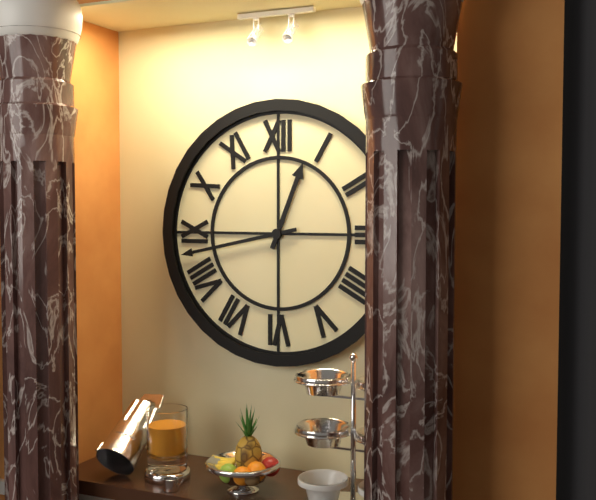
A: **12:43**
